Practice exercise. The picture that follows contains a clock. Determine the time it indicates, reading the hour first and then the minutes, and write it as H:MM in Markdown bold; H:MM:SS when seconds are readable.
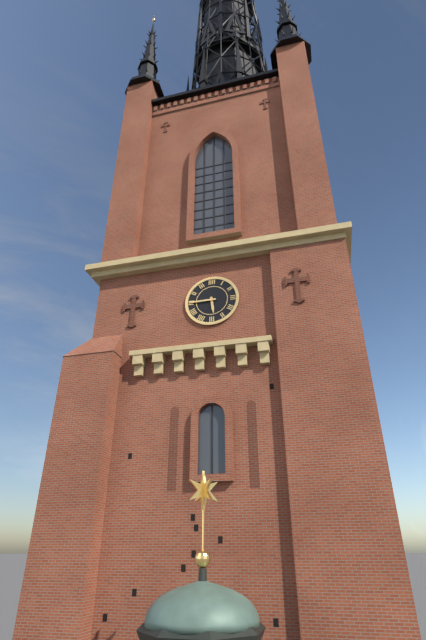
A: **5:45**
